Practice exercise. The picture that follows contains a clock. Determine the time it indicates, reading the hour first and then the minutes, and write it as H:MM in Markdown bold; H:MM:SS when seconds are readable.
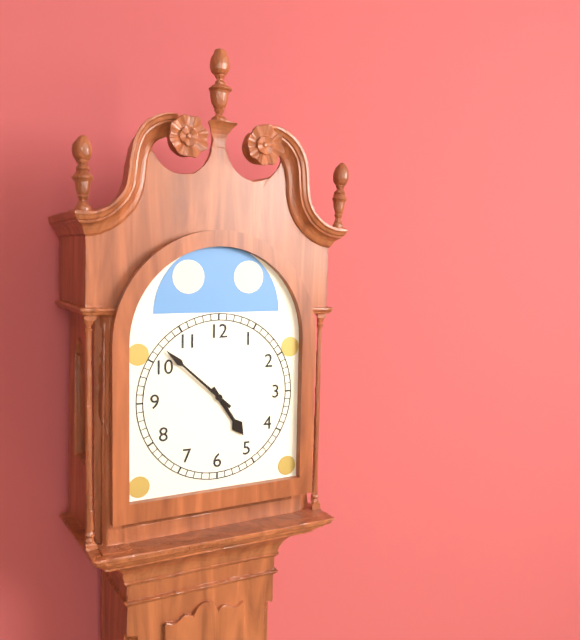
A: **4:52**
